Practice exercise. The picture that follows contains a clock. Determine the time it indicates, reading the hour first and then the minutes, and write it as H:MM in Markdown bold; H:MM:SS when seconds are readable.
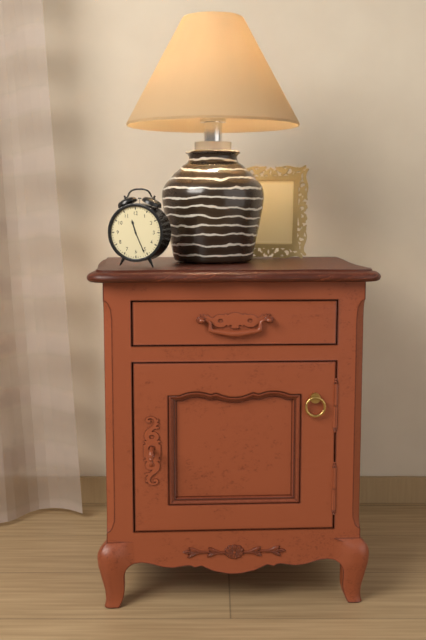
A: **11:26**
